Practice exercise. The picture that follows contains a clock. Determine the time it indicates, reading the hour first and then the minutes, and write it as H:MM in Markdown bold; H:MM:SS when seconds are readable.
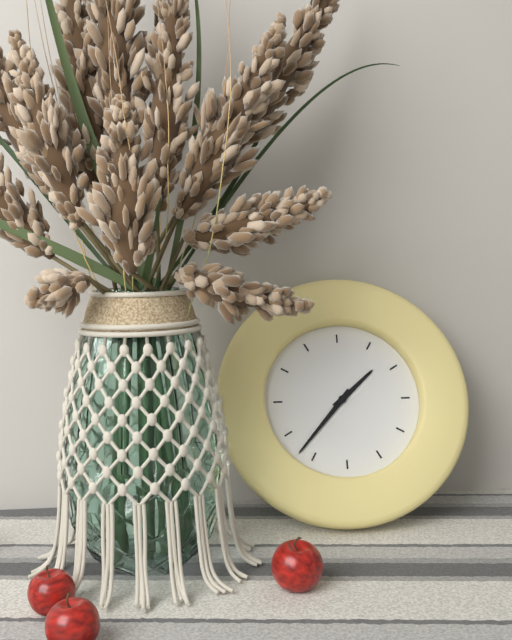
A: **1:37**
